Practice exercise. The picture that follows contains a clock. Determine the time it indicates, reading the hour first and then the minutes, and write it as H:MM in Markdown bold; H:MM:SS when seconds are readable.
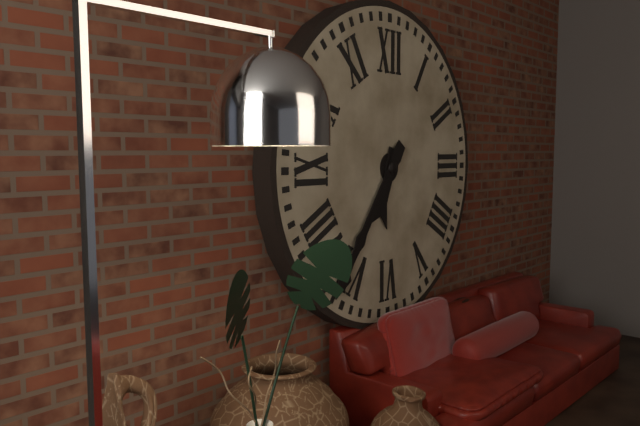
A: **6:36**
